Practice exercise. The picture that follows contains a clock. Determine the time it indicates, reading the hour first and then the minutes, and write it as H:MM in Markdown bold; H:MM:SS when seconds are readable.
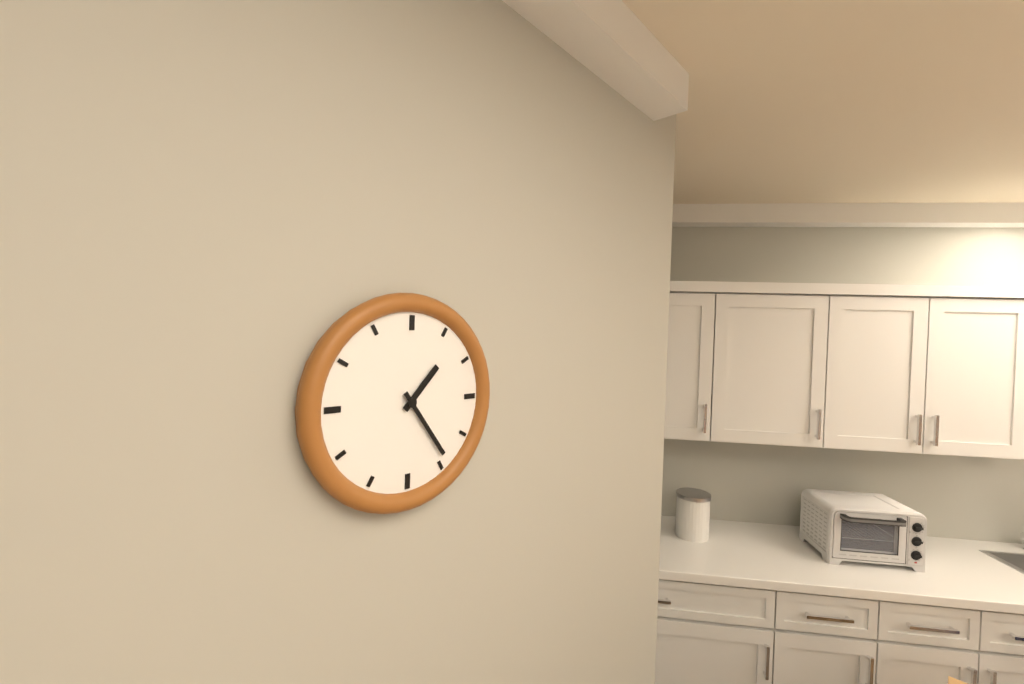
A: **1:24**
